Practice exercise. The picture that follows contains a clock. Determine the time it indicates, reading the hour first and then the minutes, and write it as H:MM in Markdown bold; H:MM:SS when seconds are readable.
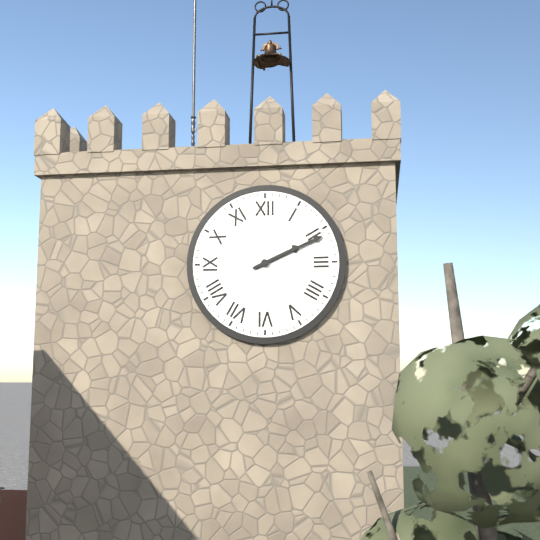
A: **2:11**
